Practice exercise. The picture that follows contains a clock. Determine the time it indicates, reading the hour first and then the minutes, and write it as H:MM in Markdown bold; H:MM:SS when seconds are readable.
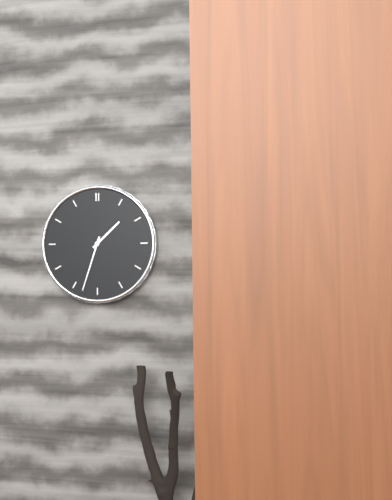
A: **1:33**
